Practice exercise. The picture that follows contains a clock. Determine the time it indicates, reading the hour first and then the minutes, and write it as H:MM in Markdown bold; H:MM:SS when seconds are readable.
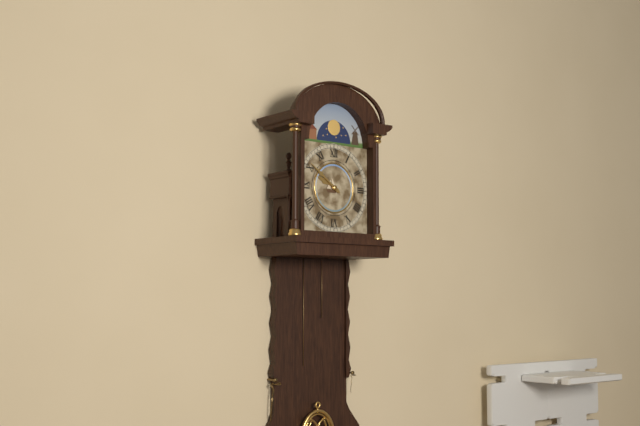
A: **9:51**
